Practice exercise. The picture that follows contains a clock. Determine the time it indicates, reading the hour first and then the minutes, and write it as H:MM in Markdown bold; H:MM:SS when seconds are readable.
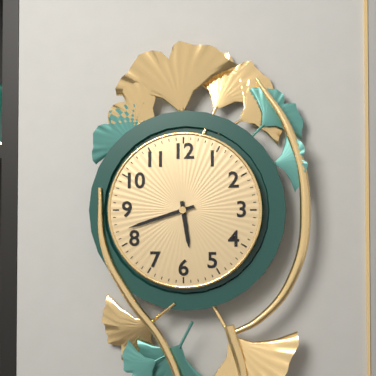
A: **5:42**
